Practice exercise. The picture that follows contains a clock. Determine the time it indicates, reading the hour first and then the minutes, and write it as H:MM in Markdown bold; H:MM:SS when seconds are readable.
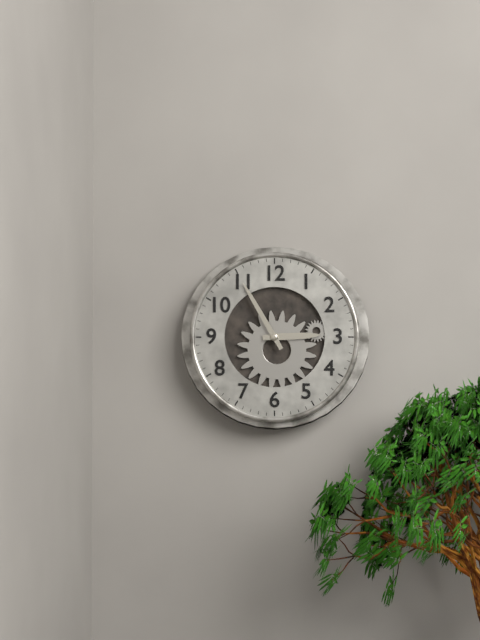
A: **2:55**
